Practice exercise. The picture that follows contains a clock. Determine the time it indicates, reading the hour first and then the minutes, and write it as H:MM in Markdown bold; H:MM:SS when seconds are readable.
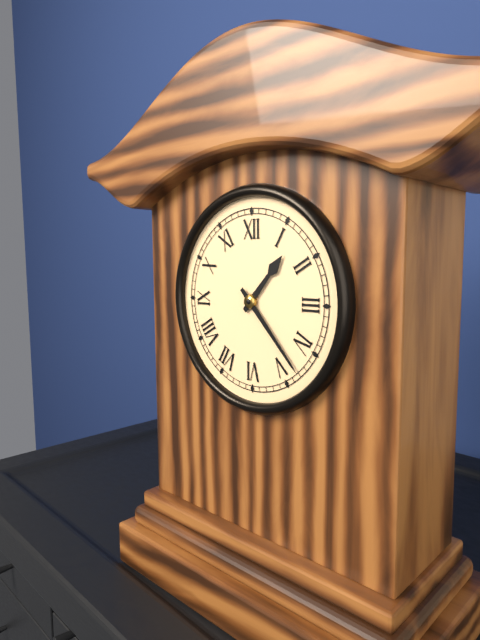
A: **1:23**
